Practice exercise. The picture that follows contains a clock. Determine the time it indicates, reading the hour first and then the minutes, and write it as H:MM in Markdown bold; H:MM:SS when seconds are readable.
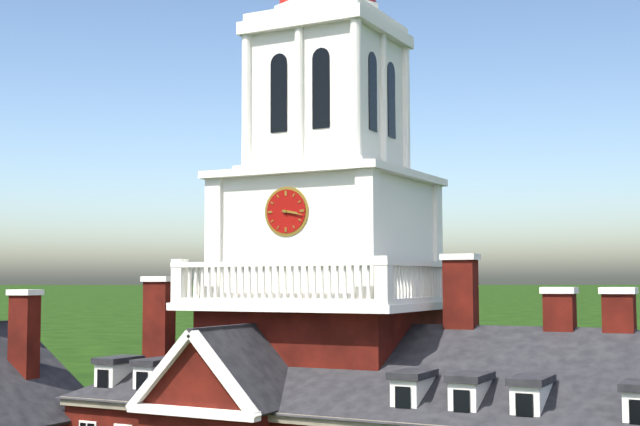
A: **3:17**
